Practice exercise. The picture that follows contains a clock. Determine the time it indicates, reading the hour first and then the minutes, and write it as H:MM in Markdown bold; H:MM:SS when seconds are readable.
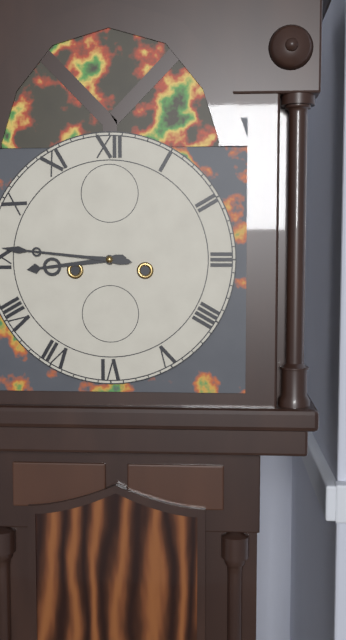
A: **8:46**
